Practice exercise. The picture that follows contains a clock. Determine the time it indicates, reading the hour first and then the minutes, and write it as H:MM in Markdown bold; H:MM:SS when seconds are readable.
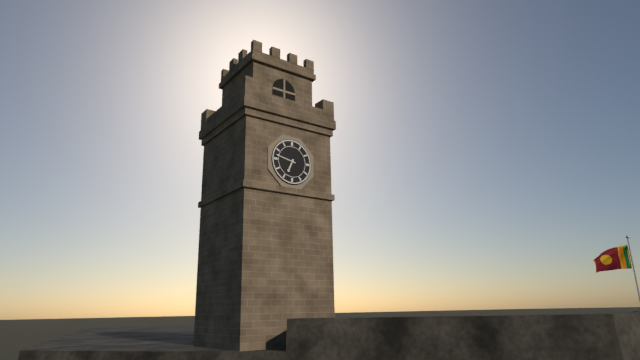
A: **6:47**
